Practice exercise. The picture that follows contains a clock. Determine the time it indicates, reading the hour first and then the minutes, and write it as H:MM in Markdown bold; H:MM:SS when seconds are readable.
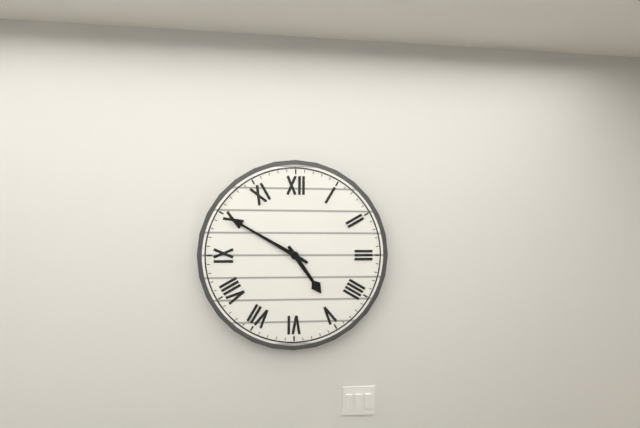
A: **4:50**
